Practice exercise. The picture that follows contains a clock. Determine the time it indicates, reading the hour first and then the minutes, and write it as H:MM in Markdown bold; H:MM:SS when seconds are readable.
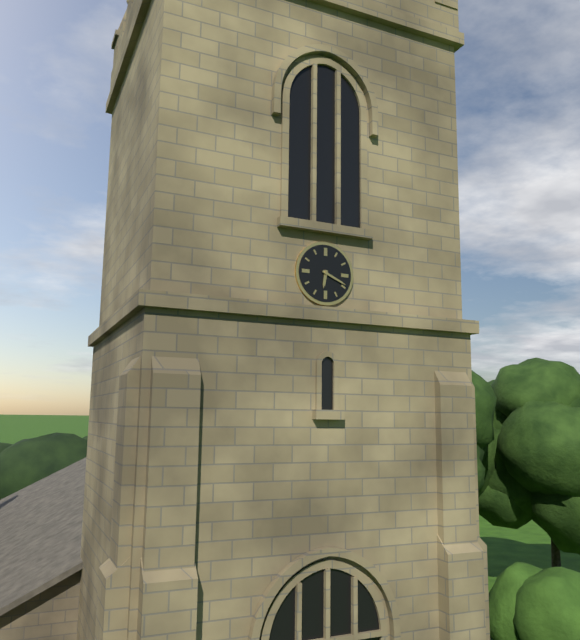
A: **6:19**
